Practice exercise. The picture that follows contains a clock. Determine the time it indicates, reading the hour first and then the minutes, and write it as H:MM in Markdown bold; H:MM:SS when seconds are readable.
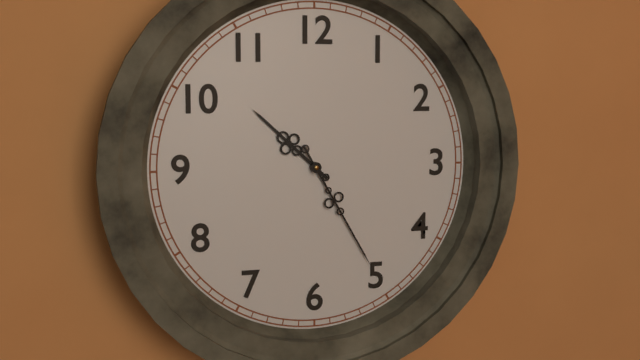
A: **10:25**
